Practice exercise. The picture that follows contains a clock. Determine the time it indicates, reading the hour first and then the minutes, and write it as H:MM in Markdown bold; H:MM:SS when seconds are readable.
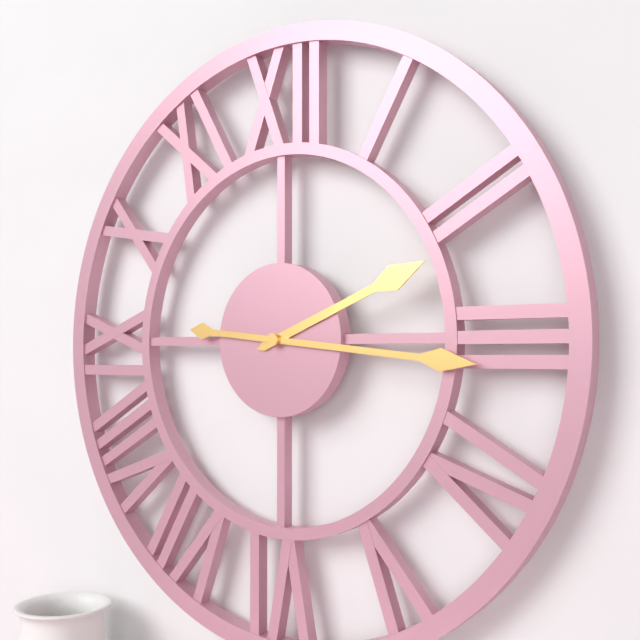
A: **2:16**
